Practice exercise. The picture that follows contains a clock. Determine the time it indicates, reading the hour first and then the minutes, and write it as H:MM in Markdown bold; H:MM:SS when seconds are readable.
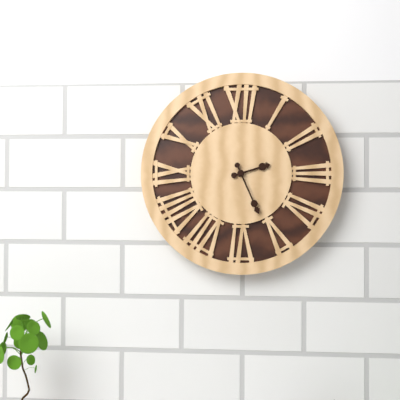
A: **2:26**
